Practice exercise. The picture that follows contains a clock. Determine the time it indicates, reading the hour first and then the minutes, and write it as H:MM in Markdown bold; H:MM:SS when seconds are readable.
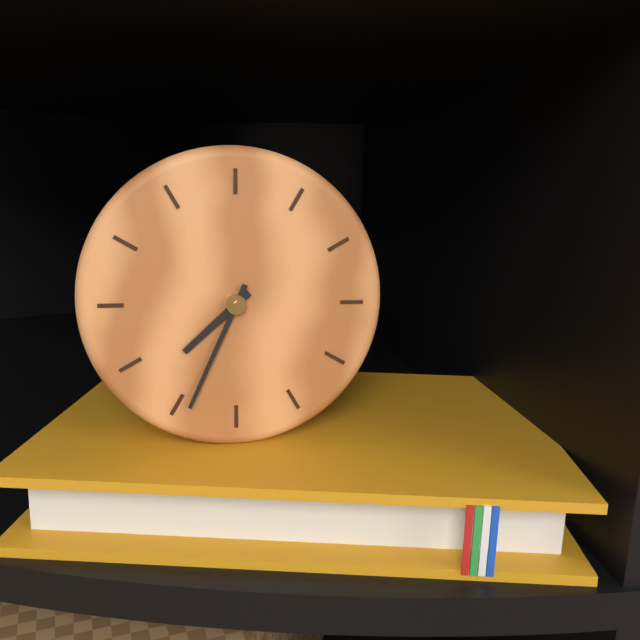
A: **7:34**
